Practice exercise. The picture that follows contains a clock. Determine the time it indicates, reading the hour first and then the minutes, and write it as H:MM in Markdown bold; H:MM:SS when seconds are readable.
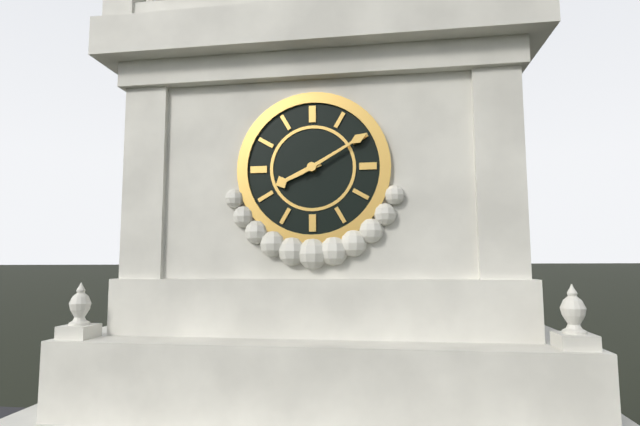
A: **8:10**
